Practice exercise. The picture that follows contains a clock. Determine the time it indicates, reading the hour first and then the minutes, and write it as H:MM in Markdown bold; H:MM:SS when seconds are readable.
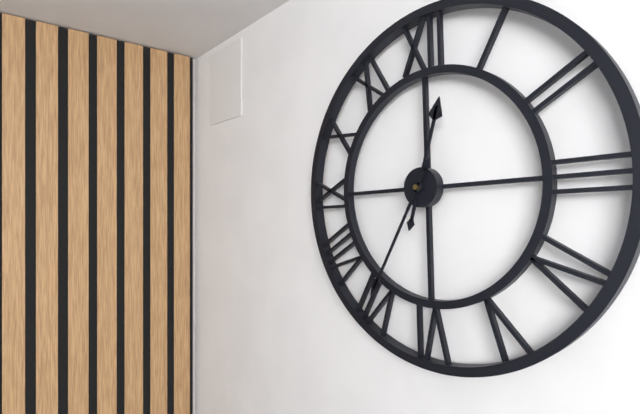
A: **12:35**
